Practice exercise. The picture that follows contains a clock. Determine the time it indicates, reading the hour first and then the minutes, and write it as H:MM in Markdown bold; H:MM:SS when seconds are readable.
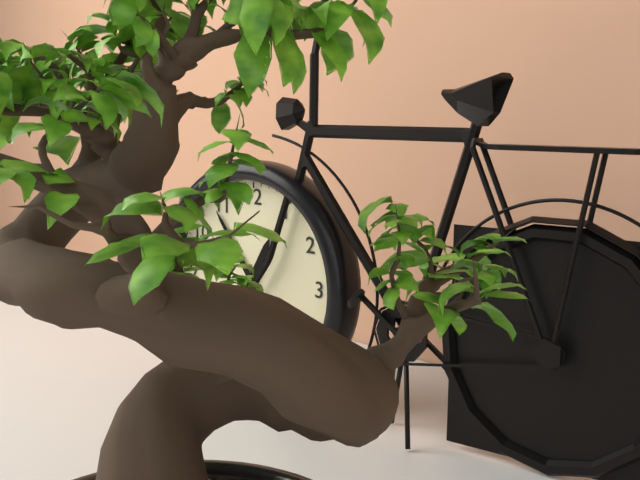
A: **12:54**
